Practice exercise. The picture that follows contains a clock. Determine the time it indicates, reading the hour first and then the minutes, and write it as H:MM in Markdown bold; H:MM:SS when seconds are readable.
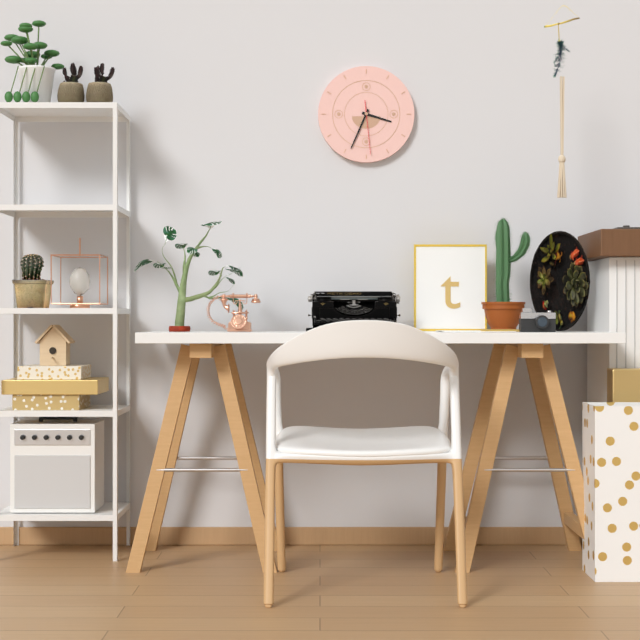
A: **3:34**
